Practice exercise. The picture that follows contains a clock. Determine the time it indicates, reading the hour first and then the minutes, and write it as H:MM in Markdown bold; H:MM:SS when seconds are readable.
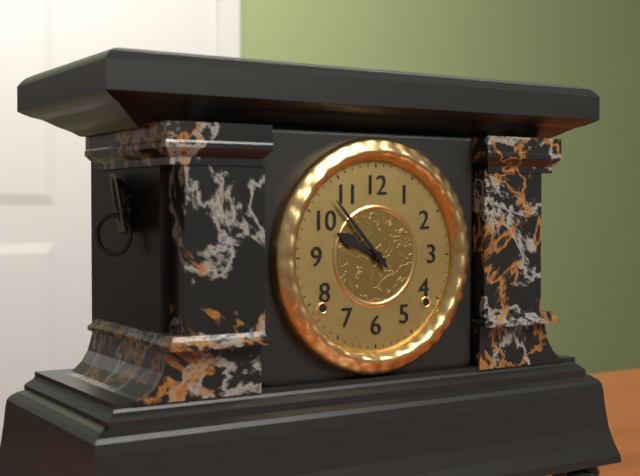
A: **9:53**
